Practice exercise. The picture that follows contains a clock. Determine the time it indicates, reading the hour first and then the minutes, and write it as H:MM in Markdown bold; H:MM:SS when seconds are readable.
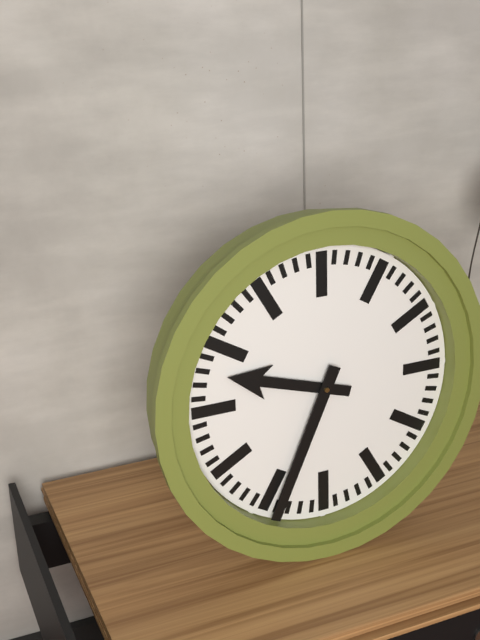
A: **9:34**
